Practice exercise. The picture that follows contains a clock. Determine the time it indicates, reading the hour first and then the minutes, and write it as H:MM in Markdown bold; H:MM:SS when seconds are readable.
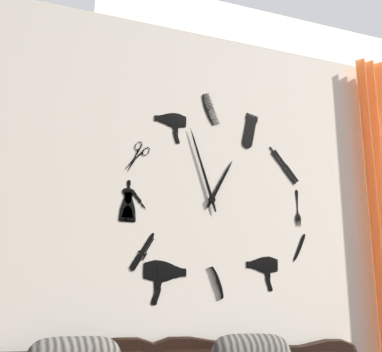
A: **12:57**
